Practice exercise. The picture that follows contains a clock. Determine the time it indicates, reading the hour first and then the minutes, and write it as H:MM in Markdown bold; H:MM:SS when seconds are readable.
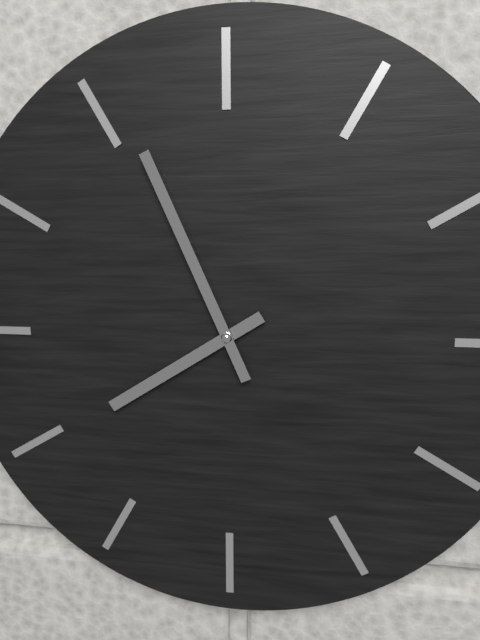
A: **7:56**
